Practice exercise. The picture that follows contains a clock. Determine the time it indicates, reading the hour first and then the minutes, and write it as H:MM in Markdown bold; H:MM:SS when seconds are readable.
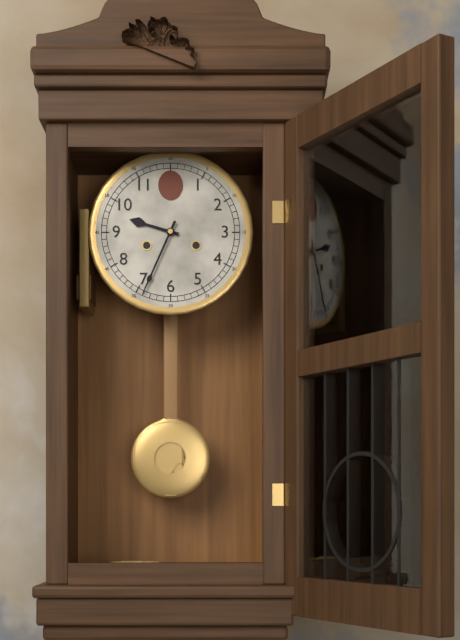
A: **9:34**
